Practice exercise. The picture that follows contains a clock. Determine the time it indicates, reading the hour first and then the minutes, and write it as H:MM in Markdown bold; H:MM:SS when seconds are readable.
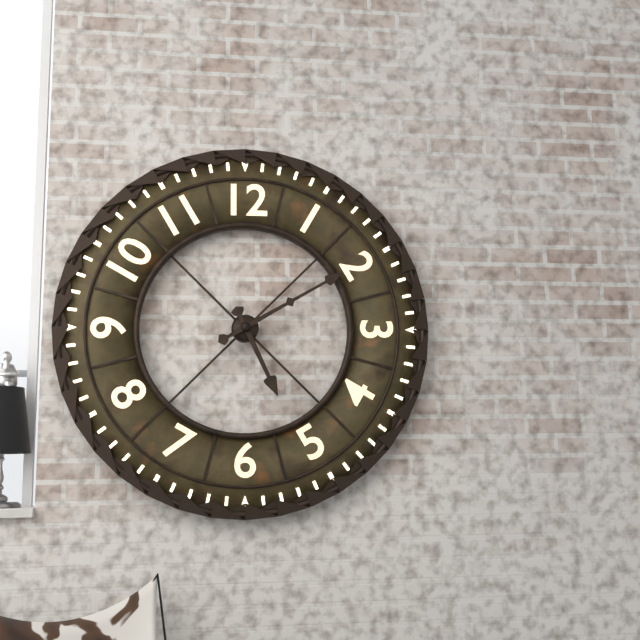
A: **5:10**
